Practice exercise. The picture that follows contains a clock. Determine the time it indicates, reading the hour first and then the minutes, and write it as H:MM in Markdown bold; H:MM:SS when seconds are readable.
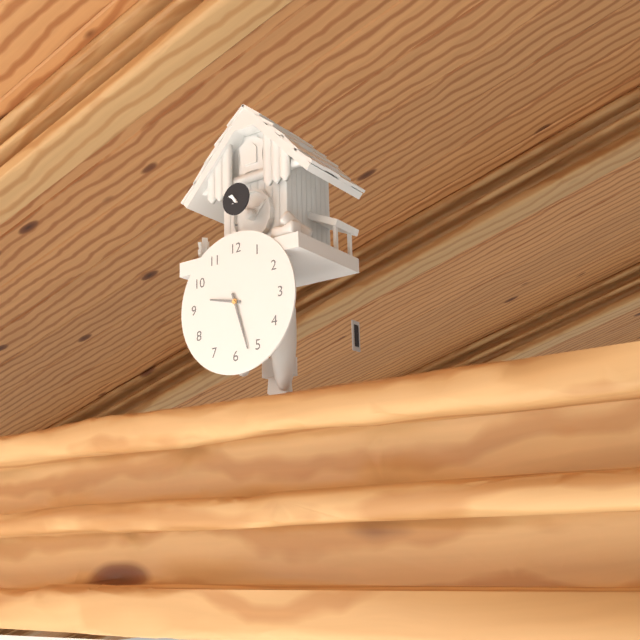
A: **9:27**
